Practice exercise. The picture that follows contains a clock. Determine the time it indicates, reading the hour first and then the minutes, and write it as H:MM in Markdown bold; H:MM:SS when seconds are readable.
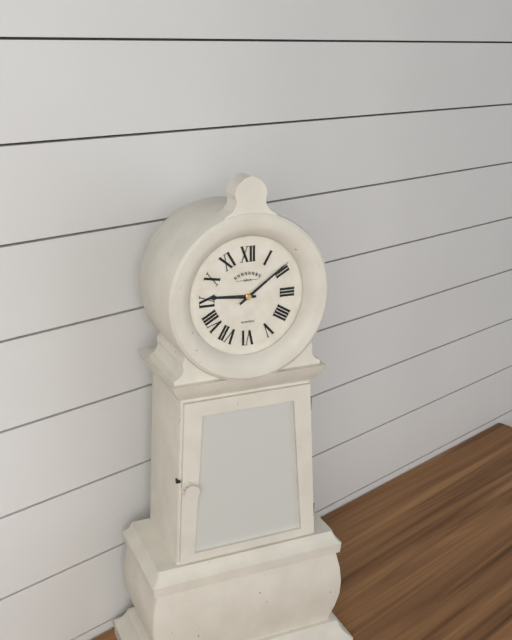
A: **9:09**
